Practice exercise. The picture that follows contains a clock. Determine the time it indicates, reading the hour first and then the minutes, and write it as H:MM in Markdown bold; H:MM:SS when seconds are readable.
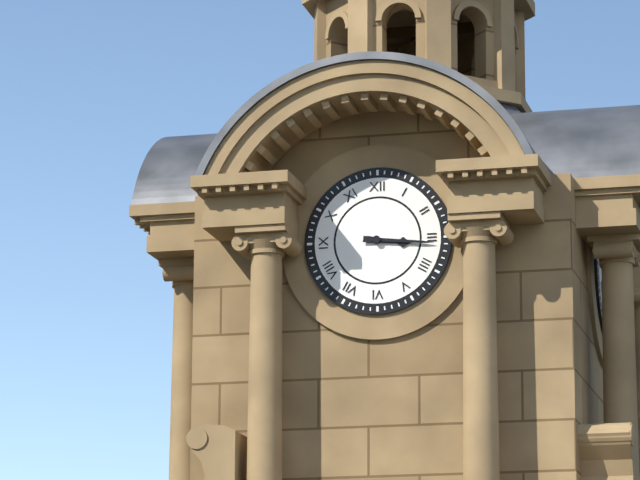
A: **3:16**
